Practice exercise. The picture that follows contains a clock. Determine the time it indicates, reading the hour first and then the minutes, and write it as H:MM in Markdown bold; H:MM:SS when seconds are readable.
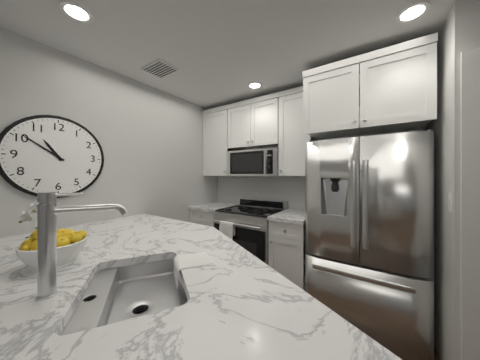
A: **10:51**
